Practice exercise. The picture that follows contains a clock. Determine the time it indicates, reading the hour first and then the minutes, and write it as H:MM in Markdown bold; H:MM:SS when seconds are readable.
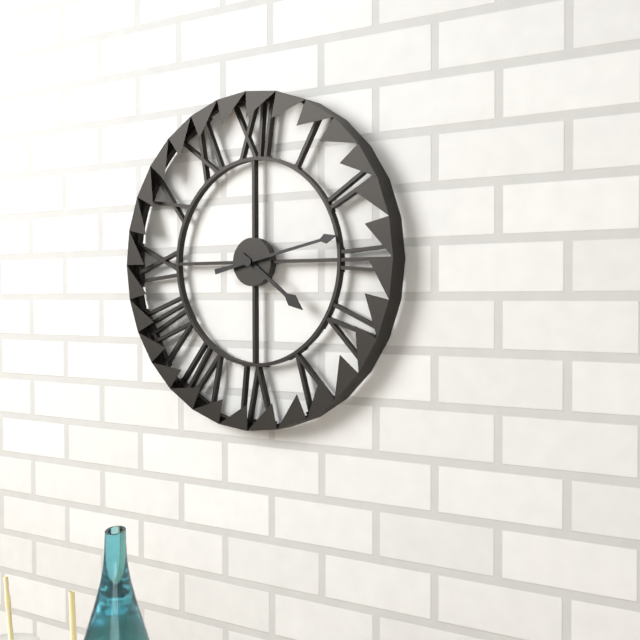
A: **4:13**
